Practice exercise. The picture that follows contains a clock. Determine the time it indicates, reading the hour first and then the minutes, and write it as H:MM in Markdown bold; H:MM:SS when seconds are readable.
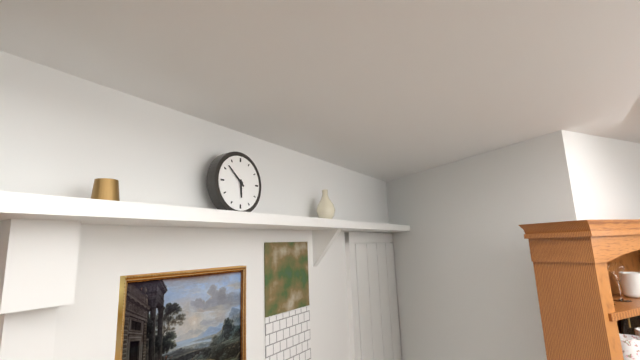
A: **5:52**
